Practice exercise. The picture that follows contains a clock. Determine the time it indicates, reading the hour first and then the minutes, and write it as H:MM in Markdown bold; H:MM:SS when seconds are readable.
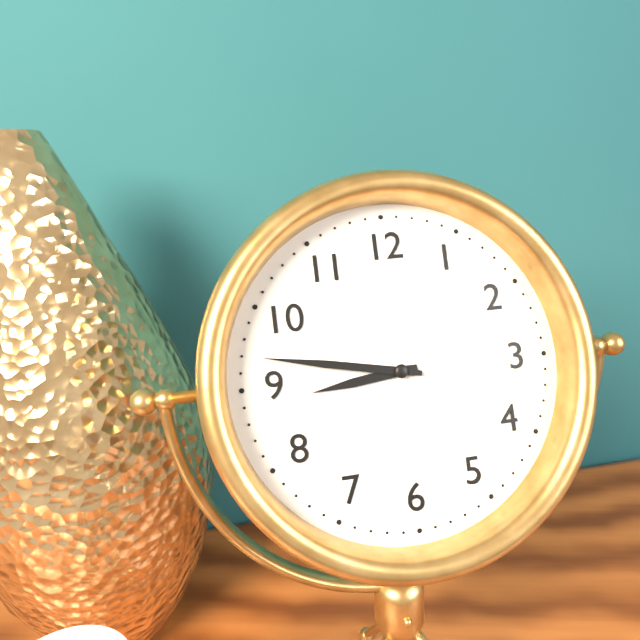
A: **8:47**
